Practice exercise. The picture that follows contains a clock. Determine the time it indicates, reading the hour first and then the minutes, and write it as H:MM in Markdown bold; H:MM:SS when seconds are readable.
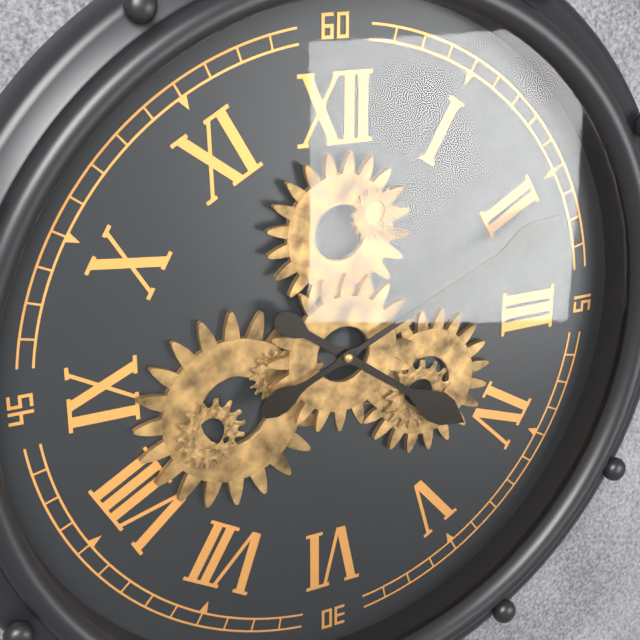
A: **4:11**
